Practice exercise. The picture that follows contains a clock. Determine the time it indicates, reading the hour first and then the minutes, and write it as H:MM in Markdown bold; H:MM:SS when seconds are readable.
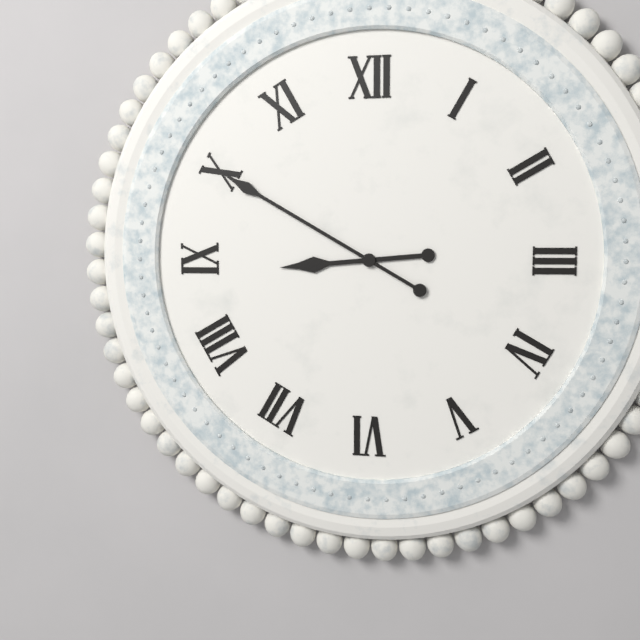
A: **8:50**
